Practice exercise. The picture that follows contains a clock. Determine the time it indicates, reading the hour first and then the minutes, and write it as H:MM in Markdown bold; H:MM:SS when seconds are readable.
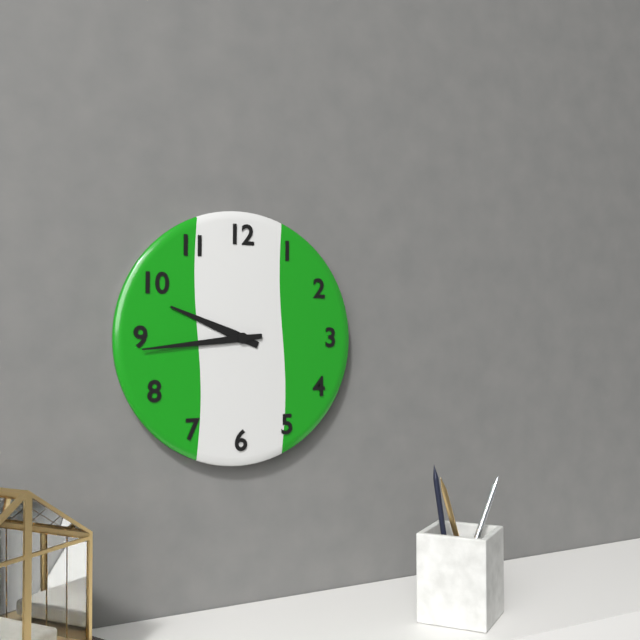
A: **9:44**
